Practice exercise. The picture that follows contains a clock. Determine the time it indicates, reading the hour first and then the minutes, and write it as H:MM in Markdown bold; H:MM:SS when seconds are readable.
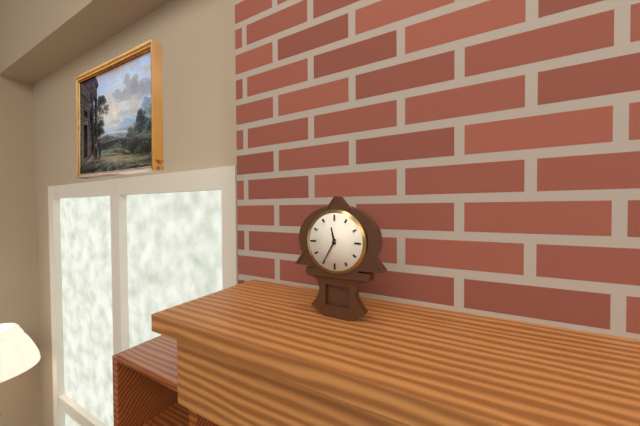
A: **11:35**
